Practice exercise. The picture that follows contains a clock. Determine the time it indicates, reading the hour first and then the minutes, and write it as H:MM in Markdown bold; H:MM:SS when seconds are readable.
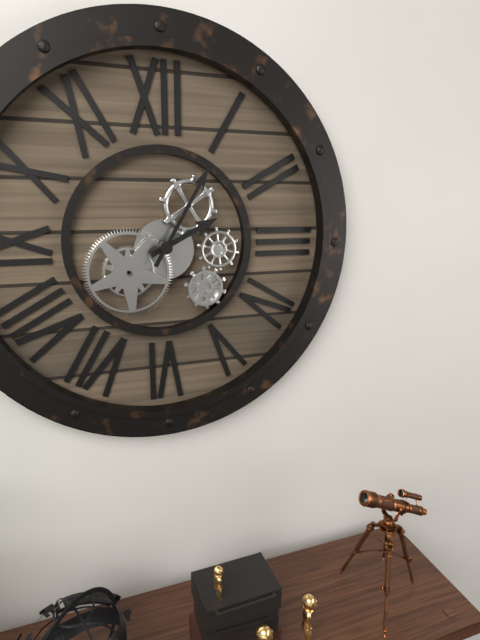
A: **2:05**
